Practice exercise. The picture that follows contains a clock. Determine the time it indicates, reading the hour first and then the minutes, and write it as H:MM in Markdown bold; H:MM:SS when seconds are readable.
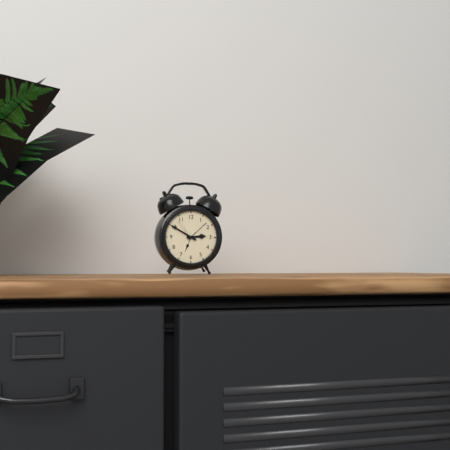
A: **2:50**
